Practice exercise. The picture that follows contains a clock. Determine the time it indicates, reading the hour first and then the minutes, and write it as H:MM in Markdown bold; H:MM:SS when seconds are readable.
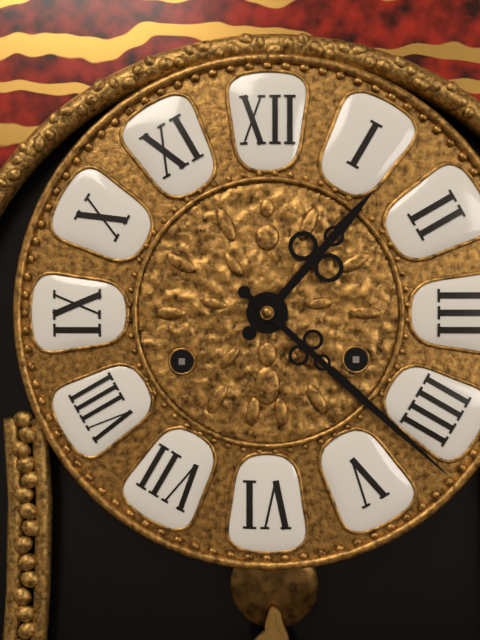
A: **1:22**
